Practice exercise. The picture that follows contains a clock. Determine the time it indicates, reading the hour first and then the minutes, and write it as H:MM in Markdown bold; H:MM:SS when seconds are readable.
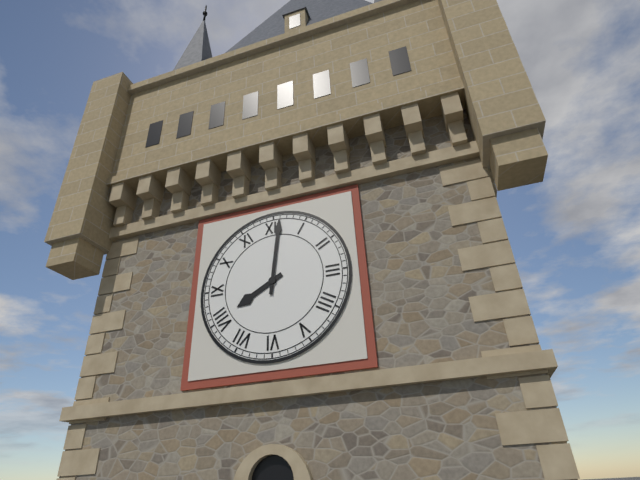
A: **8:01**
